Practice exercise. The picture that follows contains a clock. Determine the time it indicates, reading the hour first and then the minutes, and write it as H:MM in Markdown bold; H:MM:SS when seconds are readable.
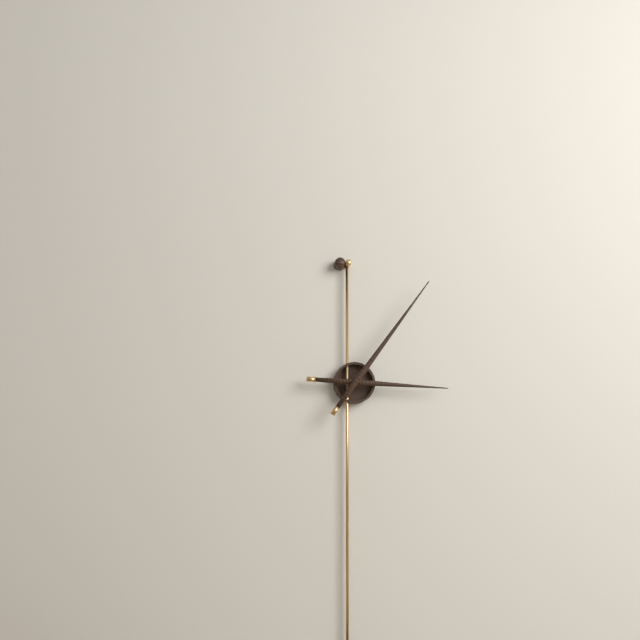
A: **3:06**
